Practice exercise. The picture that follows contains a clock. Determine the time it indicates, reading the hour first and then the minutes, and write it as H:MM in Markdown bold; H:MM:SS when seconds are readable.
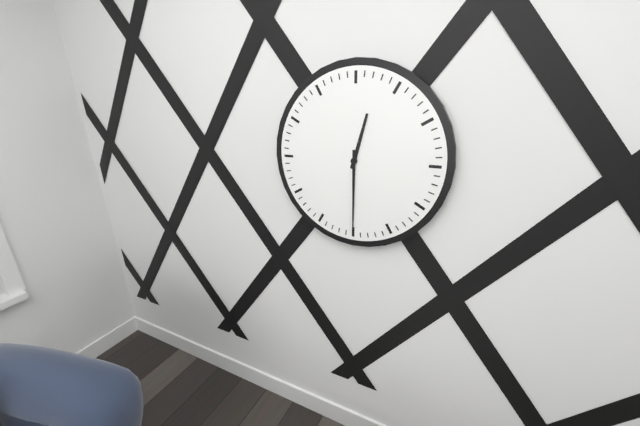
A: **12:30**
